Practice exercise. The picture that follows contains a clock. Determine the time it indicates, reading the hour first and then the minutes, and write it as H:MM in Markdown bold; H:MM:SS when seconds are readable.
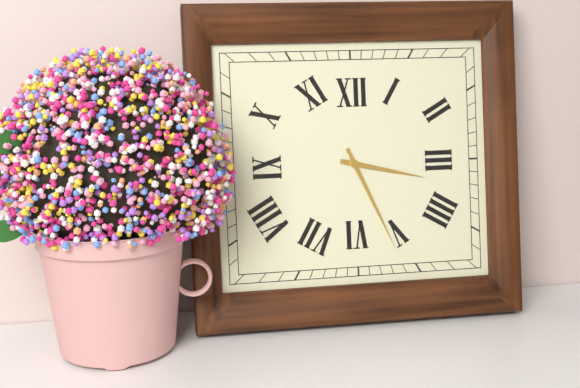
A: **3:26**
